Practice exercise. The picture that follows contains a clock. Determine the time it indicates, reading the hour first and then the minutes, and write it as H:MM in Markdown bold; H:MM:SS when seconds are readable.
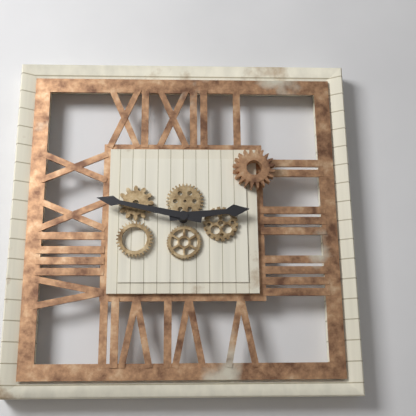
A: **2:47**
